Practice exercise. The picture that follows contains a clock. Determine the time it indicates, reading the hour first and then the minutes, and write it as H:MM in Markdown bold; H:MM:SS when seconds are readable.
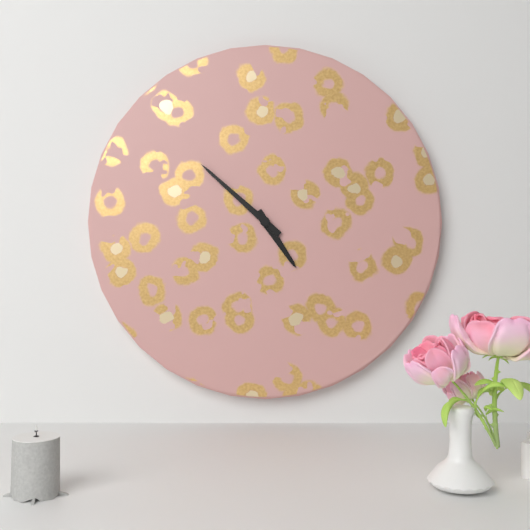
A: **4:52**
